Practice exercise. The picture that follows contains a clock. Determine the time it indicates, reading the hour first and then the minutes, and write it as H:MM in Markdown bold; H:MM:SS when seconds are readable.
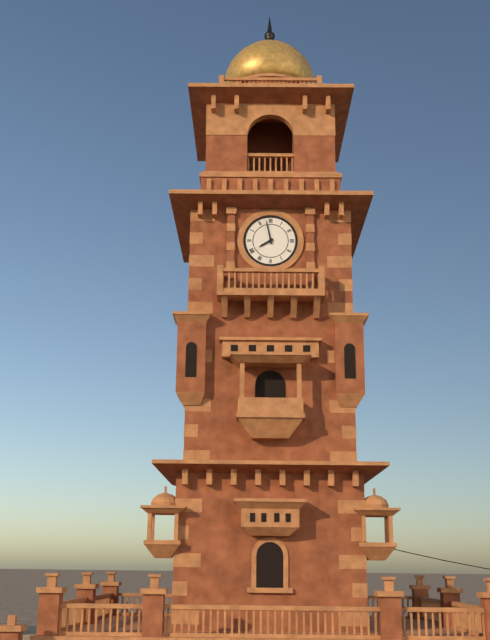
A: **7:58**
